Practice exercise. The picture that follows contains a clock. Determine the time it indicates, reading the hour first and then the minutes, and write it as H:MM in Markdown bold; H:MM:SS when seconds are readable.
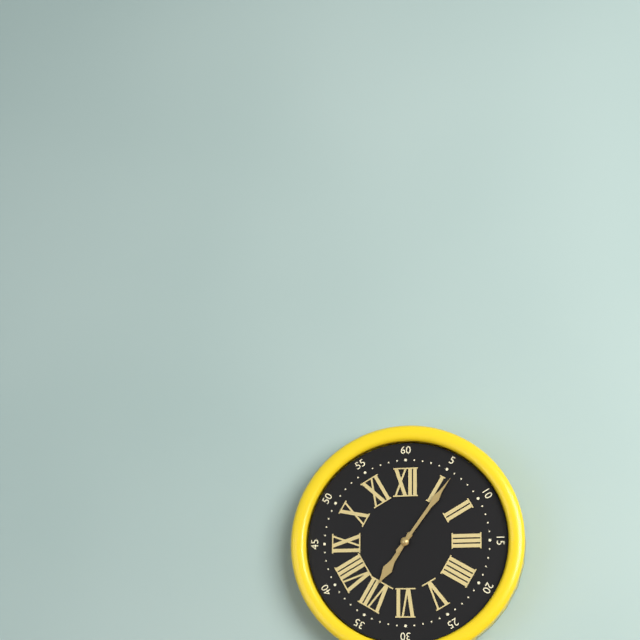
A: **7:06**
